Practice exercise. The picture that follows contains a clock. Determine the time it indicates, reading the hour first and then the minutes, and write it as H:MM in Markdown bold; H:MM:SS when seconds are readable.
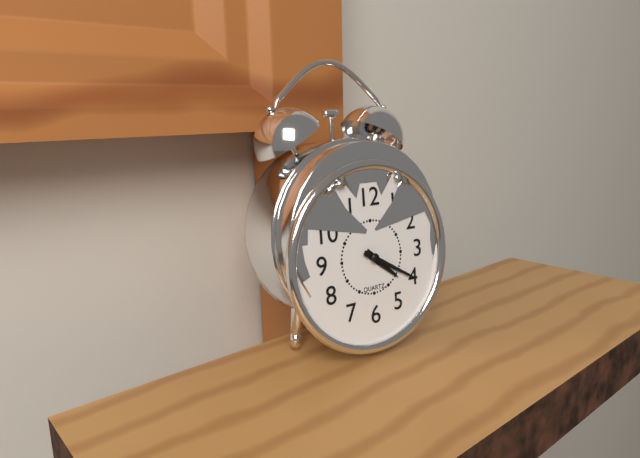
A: **4:20**
